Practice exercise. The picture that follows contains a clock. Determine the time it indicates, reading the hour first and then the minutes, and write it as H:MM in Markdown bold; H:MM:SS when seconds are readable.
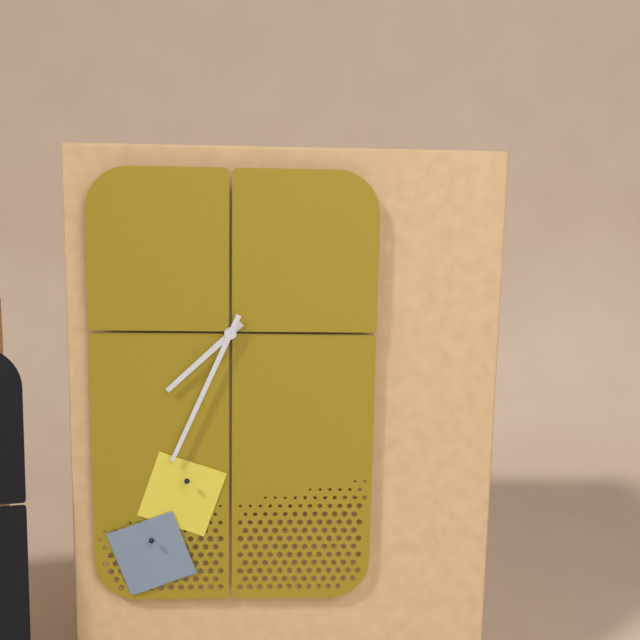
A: **7:34**
